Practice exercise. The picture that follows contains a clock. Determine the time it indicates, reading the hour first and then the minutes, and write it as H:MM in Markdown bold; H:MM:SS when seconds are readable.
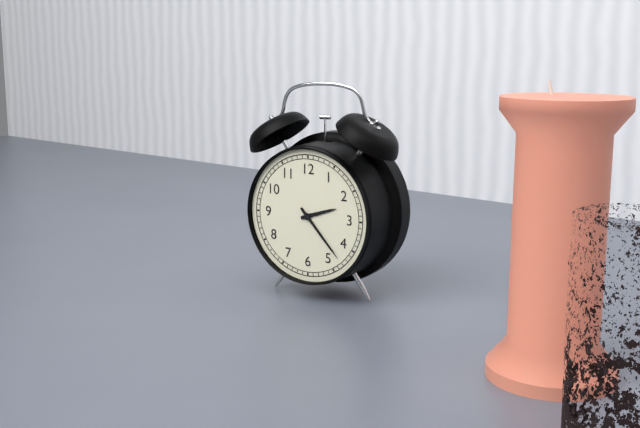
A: **2:23**
